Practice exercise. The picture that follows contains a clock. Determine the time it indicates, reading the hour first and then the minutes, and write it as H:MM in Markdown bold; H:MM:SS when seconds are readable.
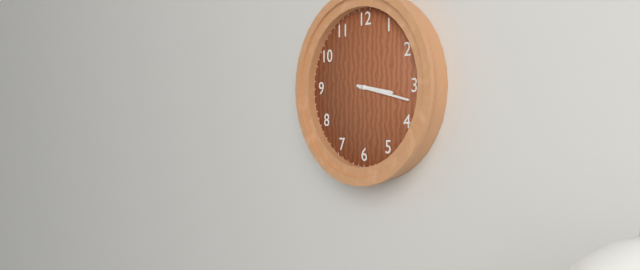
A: **3:17**
